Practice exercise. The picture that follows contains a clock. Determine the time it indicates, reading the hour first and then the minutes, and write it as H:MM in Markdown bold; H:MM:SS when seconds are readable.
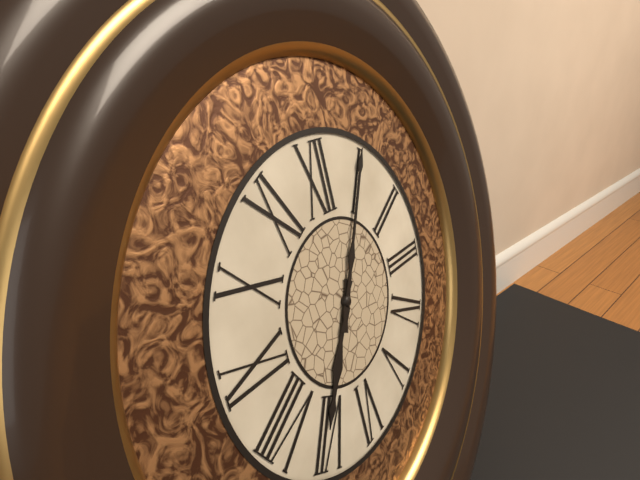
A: **7:05**
